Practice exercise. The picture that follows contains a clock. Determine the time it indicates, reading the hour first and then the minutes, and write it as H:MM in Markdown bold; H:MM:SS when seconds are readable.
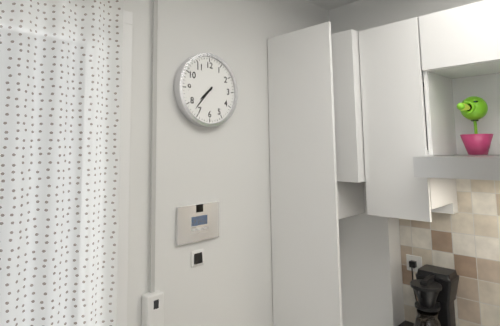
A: **7:37**
